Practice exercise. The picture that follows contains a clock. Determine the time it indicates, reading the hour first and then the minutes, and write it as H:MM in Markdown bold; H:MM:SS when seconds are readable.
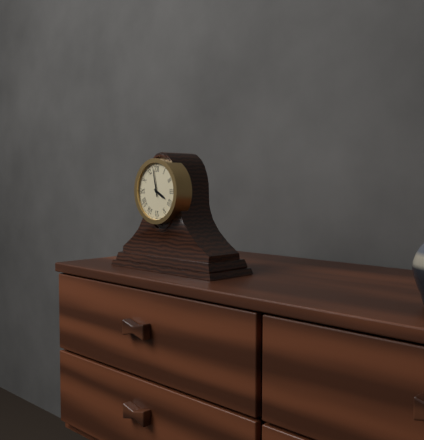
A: **3:58**
